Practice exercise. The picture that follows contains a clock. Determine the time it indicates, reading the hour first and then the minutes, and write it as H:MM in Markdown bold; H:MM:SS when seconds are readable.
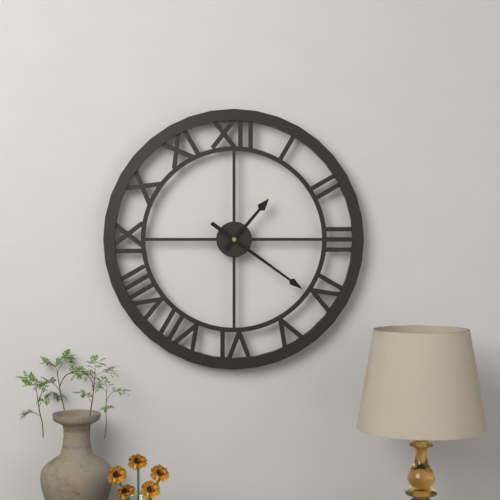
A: **1:21**
